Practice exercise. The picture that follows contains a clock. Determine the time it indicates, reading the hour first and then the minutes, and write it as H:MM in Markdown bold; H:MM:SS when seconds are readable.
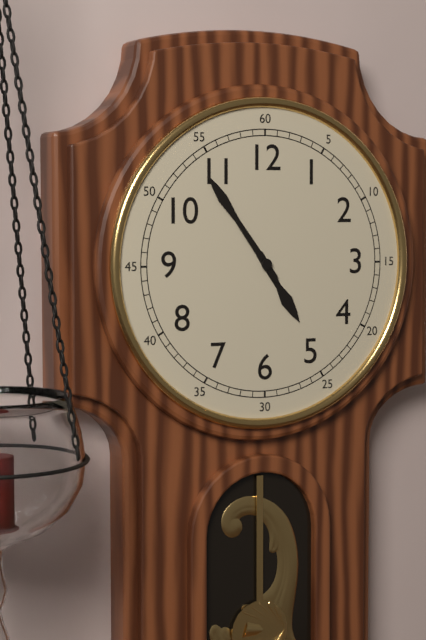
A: **4:54**
